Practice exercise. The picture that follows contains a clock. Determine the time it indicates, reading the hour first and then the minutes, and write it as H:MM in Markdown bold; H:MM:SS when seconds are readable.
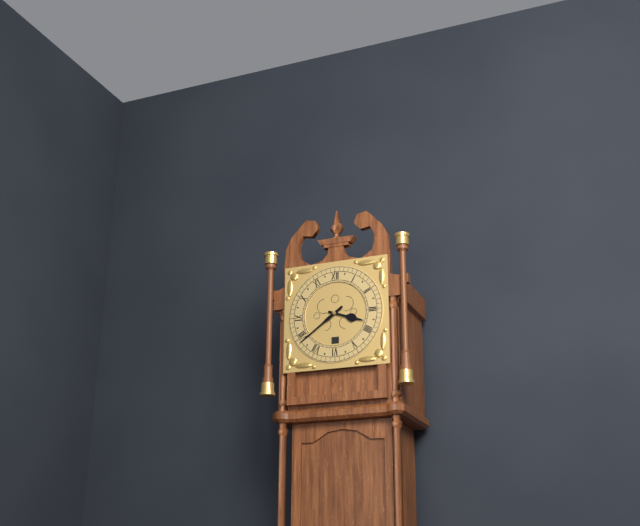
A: **3:39**
